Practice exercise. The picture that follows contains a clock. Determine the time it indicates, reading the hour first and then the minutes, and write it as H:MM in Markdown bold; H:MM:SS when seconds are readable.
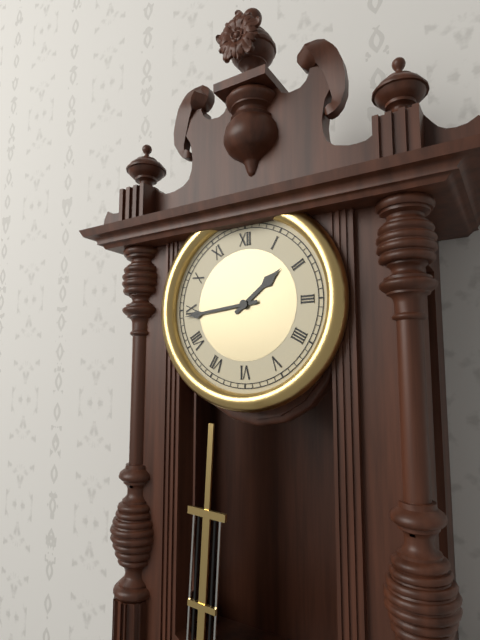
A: **1:44**
